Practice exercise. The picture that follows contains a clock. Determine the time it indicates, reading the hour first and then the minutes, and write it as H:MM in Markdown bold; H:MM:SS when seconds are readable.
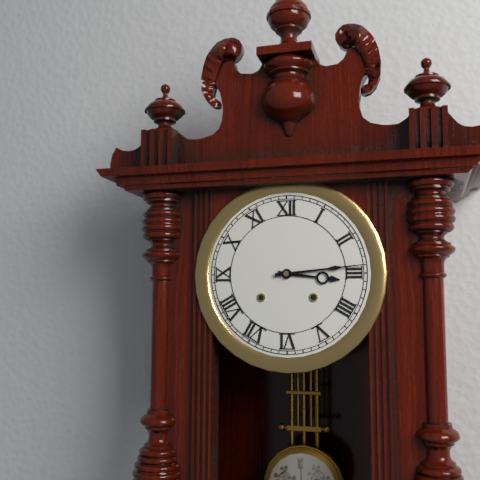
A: **3:14**
